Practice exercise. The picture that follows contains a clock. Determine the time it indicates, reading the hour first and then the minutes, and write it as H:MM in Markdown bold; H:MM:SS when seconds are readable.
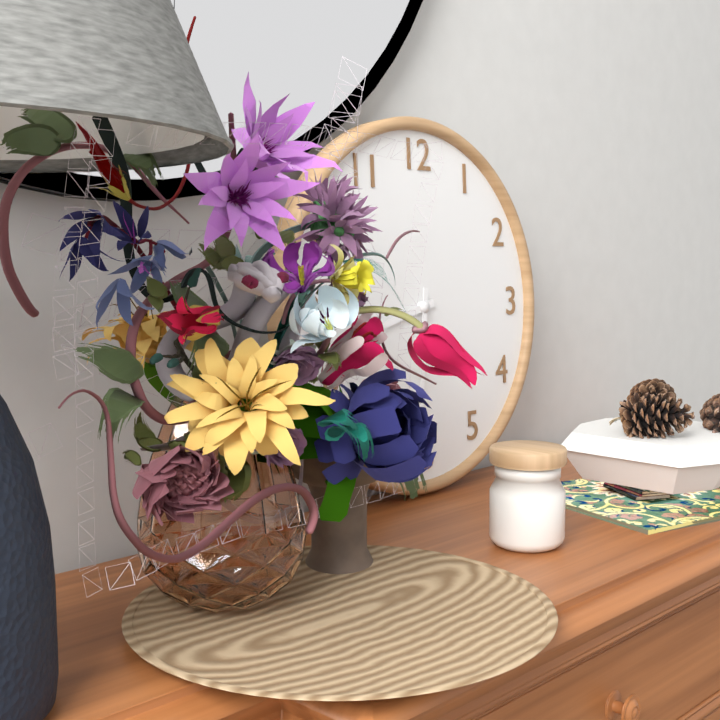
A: **8:31**
